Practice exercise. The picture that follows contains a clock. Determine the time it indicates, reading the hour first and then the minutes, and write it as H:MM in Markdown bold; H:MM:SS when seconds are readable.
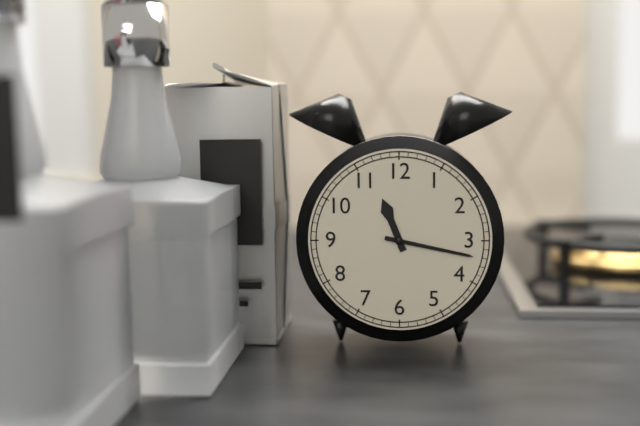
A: **11:17**
